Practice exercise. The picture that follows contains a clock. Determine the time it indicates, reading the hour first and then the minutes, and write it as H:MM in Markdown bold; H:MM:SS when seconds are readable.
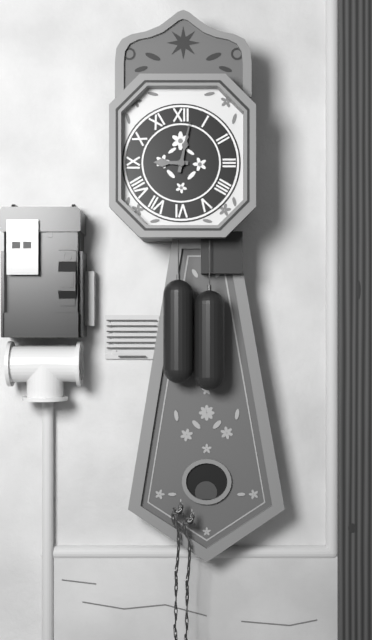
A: **9:02**
